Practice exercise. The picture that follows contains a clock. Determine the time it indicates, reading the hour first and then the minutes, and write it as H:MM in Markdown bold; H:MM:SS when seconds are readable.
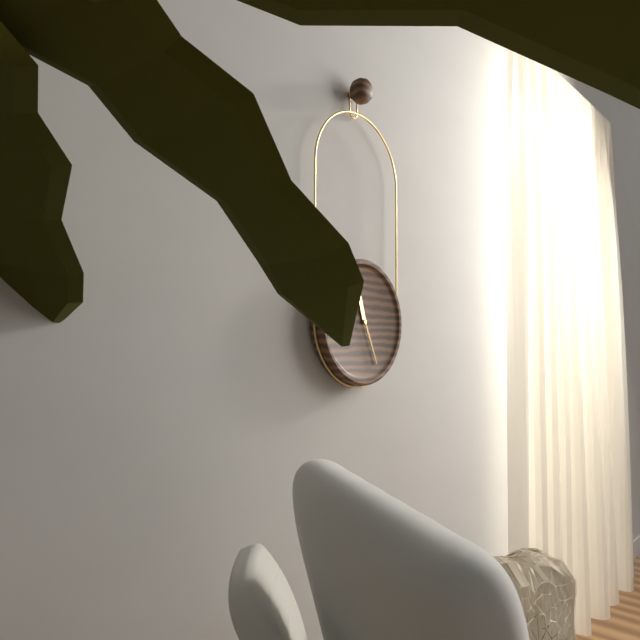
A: **11:26**
